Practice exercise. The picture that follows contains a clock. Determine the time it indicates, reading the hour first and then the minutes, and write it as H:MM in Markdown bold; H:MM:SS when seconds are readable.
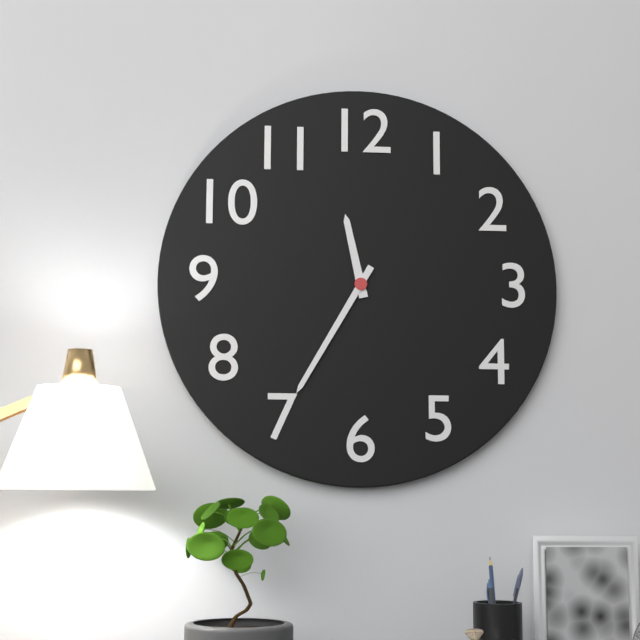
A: **11:35**
